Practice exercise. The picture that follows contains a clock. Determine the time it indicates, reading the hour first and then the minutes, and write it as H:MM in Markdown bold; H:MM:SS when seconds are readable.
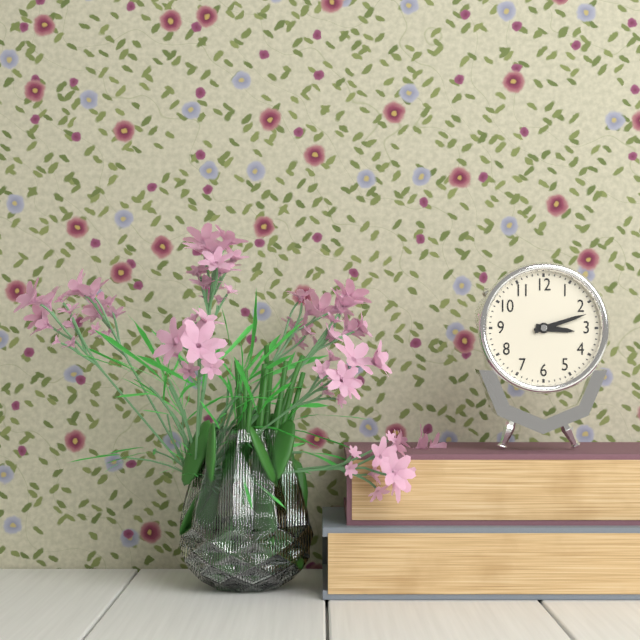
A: **3:12**
